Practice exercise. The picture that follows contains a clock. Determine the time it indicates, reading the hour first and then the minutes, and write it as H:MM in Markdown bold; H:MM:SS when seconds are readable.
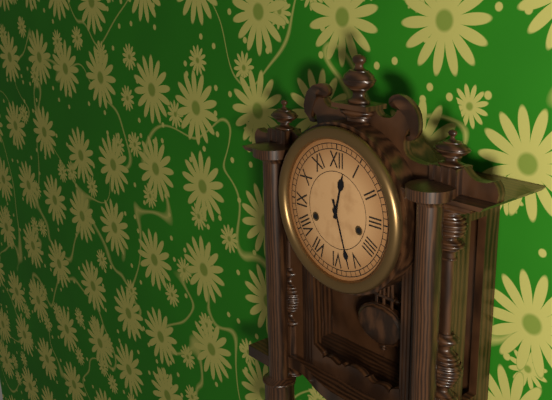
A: **12:27**
